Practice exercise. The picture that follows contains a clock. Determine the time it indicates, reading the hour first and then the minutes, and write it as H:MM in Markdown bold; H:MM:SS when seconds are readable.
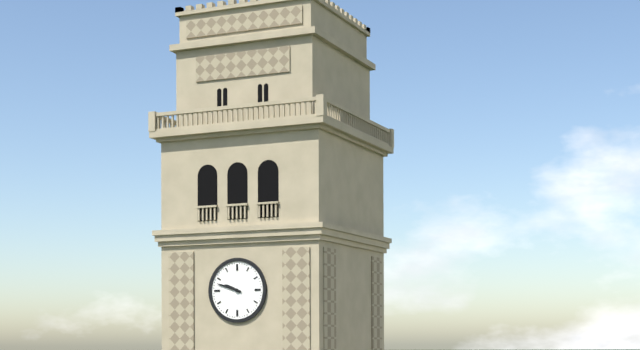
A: **9:48**
